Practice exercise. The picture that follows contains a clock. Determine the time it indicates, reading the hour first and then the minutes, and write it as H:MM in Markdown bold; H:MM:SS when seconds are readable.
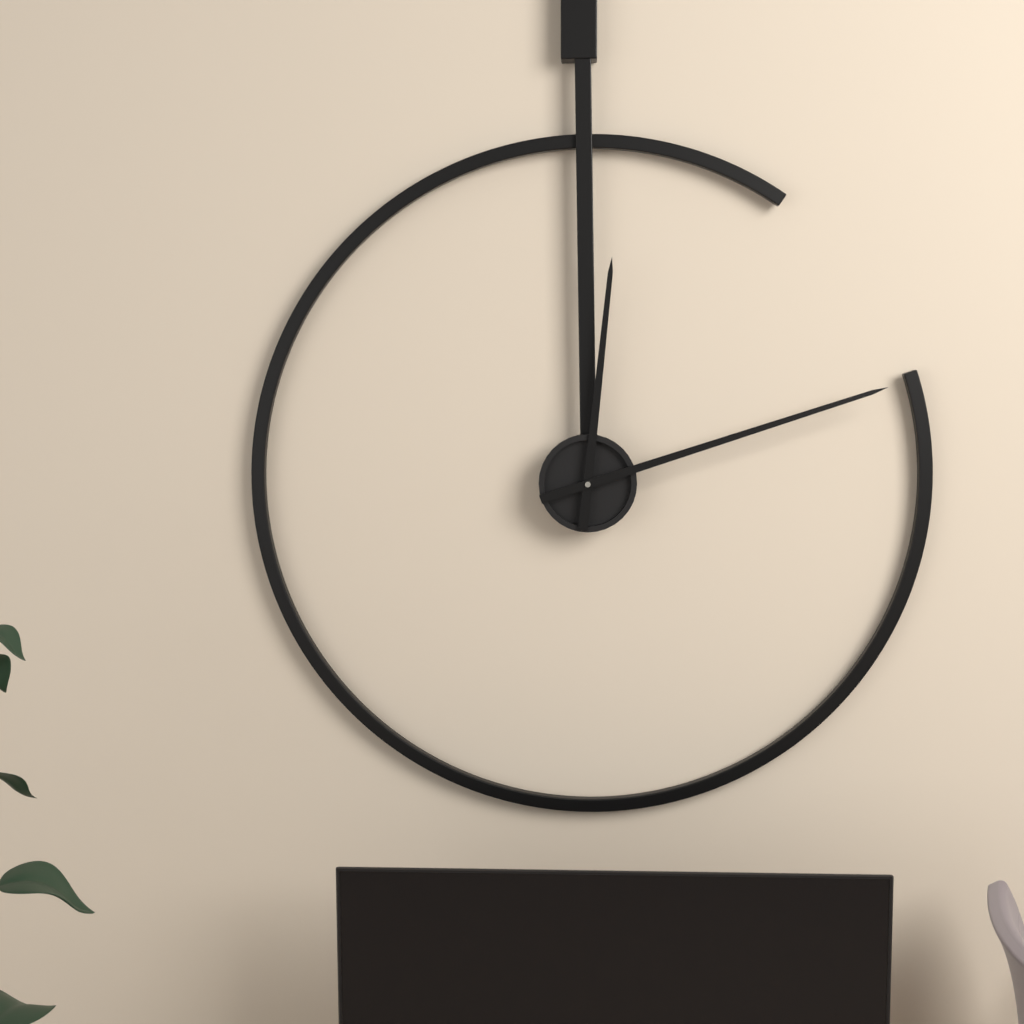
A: **12:12**
